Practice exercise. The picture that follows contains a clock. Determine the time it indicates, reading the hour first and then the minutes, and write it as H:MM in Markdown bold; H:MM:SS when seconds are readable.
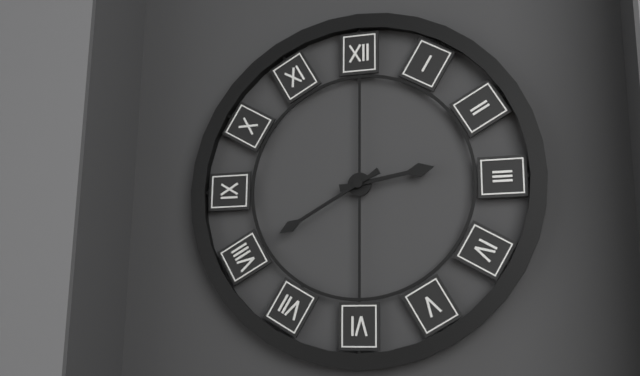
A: **2:40**
